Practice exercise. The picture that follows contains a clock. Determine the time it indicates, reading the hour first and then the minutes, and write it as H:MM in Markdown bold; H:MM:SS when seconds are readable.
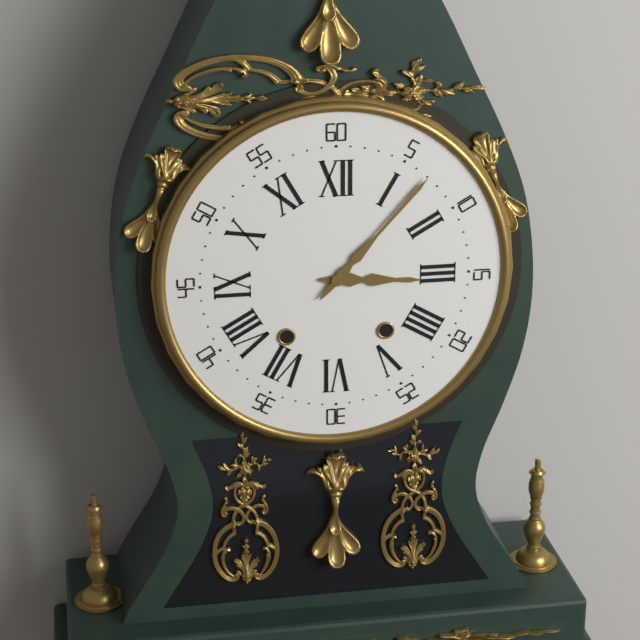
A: **3:07**
